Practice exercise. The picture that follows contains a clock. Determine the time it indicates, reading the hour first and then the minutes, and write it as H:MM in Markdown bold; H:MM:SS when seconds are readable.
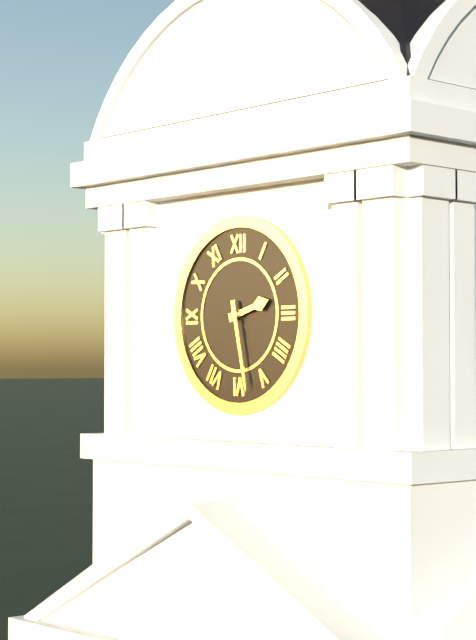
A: **2:28**
